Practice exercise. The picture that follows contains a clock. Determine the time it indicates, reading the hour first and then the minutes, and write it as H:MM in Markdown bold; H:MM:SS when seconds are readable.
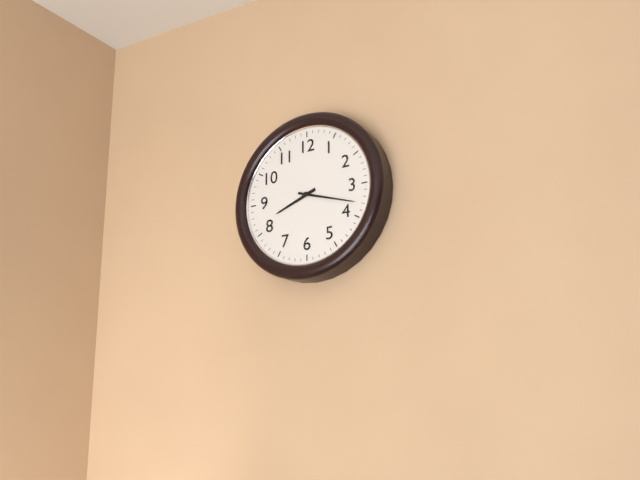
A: **8:18**
